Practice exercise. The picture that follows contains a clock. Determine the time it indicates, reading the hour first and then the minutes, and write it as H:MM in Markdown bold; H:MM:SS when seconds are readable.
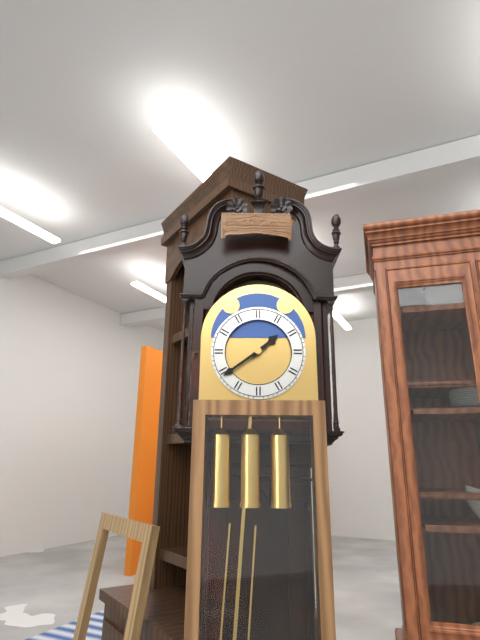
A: **1:39**
